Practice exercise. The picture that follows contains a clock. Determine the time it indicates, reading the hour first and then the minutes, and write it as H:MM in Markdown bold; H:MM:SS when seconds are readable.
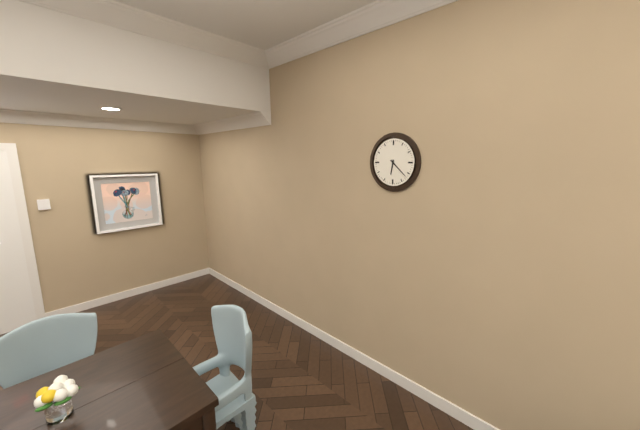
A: **6:22**
